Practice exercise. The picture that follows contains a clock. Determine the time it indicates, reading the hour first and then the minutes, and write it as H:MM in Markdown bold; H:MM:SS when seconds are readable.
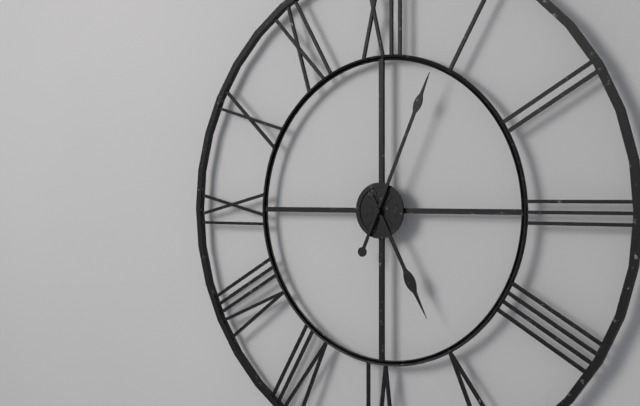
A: **5:04**
